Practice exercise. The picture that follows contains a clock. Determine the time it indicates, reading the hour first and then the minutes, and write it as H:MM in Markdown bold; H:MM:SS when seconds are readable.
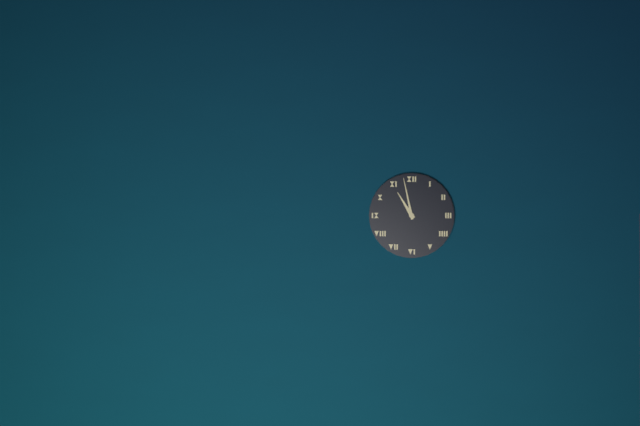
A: **10:58**
